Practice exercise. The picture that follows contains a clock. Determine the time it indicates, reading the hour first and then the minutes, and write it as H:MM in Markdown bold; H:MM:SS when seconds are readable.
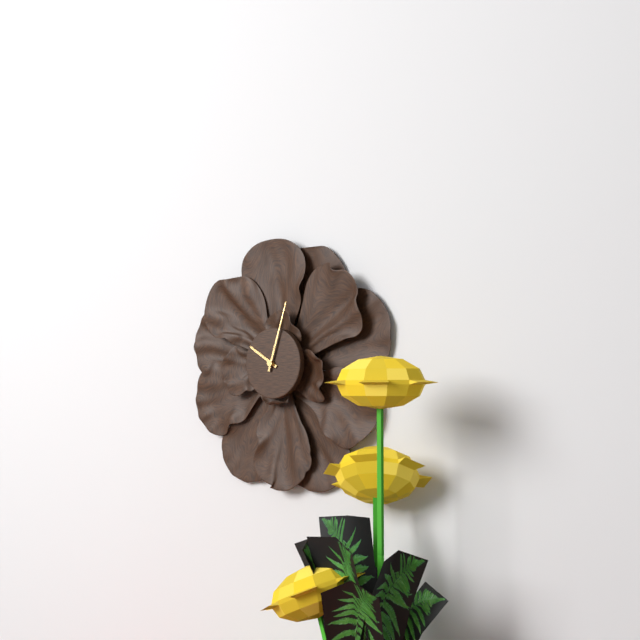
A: **10:03**
